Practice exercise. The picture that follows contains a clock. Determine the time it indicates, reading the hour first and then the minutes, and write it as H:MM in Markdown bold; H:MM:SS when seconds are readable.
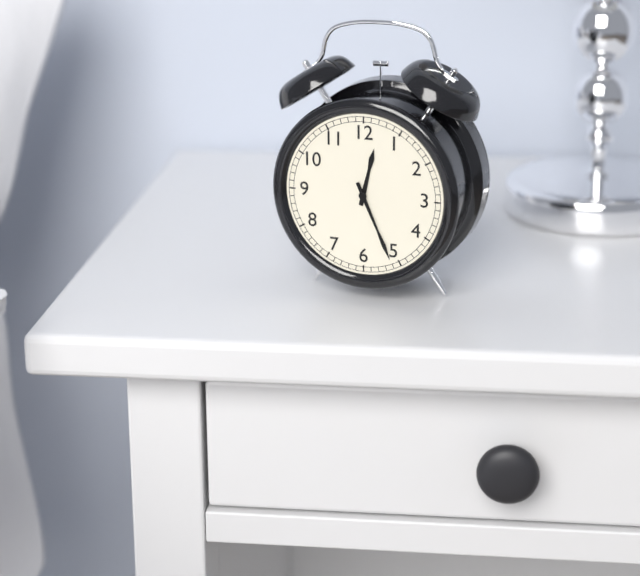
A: **12:26**
